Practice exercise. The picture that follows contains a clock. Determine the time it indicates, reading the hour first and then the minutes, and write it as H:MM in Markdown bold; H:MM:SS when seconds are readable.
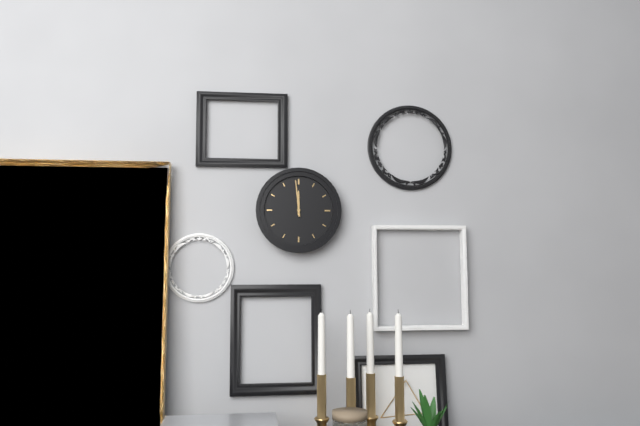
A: **11:59**
